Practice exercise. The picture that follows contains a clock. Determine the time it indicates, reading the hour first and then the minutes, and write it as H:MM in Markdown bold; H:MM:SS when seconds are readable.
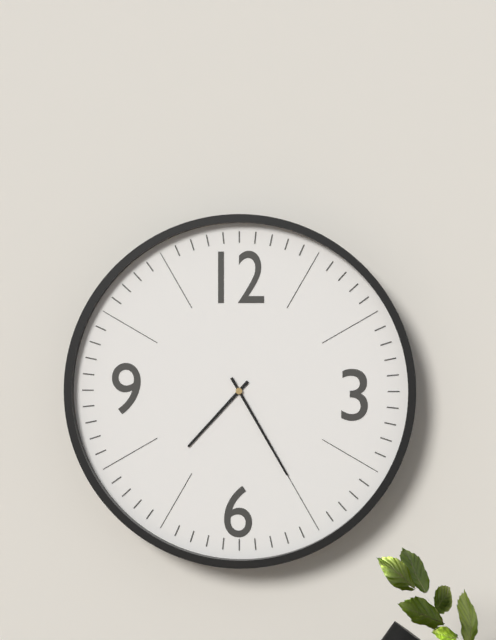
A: **7:25**
